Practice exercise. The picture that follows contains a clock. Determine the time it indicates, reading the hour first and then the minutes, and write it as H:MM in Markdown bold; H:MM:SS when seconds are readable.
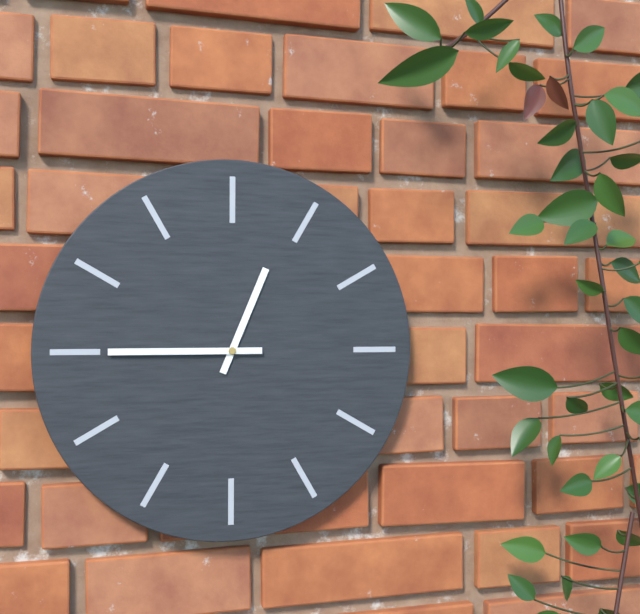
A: **12:45**
